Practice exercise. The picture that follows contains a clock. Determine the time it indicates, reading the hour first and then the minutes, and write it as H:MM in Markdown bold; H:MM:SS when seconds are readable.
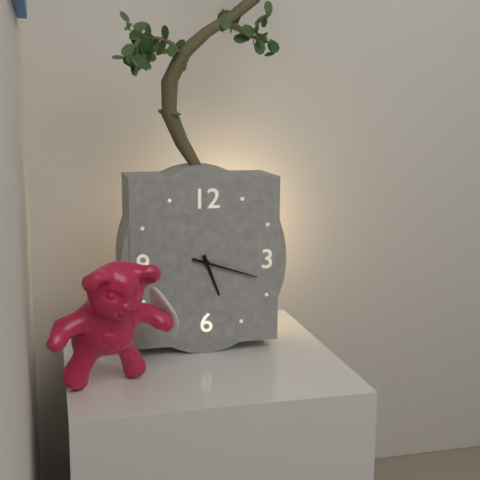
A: **5:18**
